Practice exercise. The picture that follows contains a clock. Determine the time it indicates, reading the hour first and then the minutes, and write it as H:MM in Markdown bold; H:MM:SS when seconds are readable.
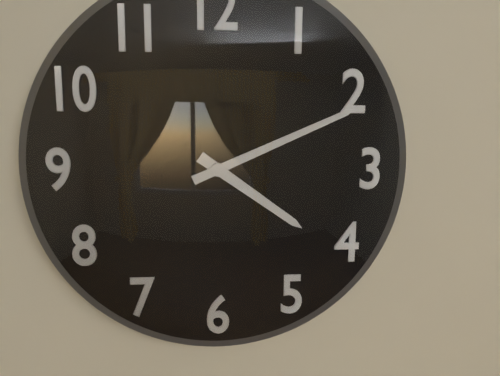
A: **4:11**
